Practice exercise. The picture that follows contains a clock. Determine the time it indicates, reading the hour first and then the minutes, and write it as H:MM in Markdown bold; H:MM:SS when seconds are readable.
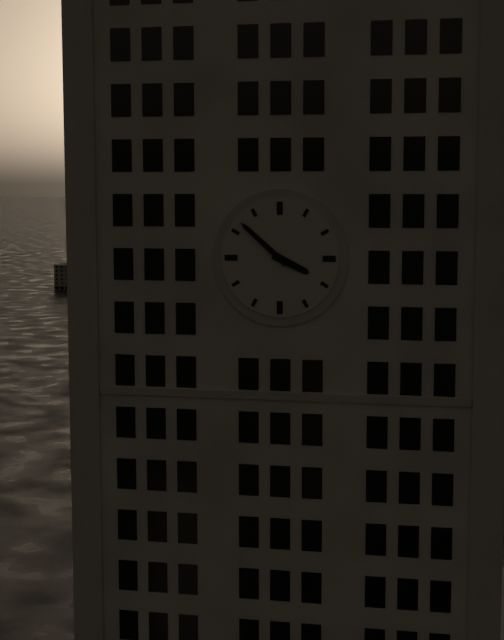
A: **3:52**
